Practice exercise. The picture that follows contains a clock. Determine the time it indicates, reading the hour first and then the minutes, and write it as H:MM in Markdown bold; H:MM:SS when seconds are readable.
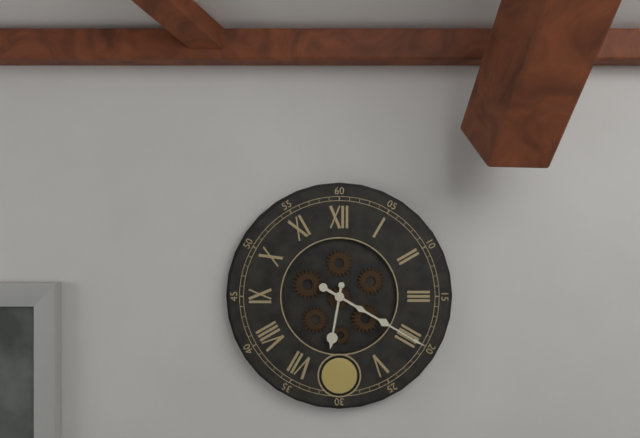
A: **6:20**
